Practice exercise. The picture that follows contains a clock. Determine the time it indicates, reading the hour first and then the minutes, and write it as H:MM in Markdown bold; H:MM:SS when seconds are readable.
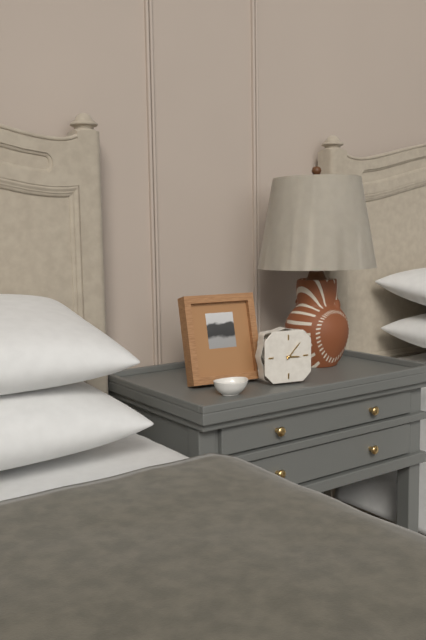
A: **3:07**
